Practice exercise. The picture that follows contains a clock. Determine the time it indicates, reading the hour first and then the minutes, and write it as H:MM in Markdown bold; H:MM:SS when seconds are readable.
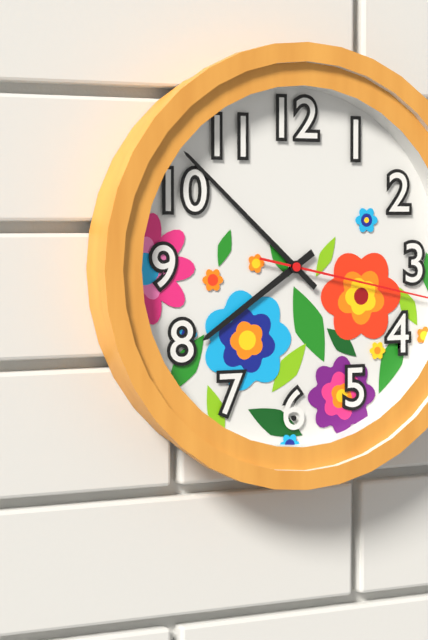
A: **7:52**
